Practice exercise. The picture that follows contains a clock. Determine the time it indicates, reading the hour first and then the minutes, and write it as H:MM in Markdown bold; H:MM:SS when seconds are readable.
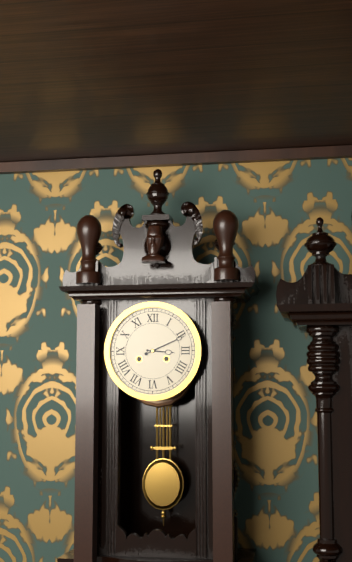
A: **3:11**
